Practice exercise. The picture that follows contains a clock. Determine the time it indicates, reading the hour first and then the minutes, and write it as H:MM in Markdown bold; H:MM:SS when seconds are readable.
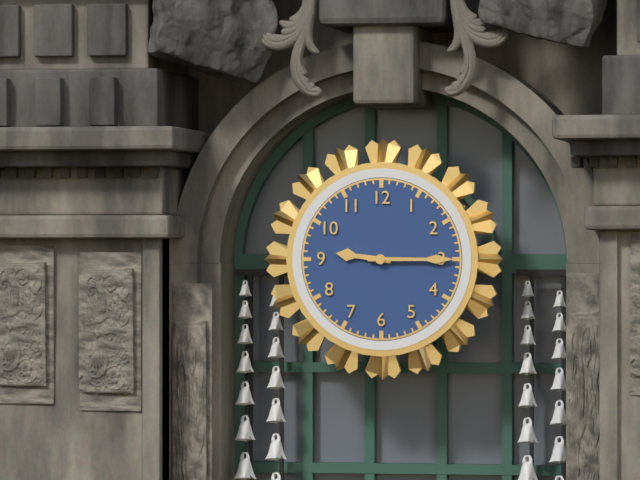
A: **9:15**
